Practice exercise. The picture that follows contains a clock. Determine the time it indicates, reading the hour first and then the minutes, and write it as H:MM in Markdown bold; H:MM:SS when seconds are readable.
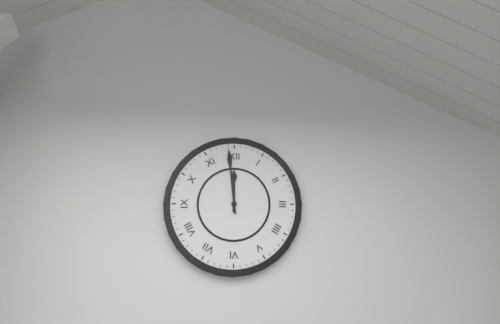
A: **11:59**
